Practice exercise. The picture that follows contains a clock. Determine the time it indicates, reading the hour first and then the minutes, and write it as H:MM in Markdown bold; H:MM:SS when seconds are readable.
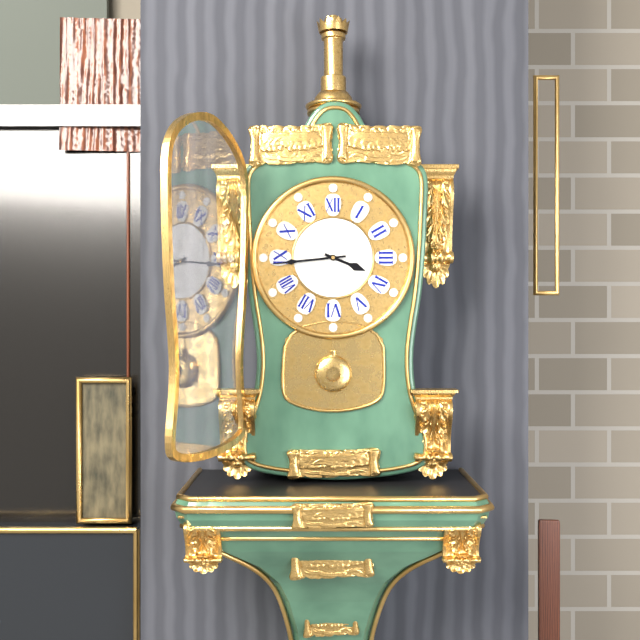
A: **3:44**
